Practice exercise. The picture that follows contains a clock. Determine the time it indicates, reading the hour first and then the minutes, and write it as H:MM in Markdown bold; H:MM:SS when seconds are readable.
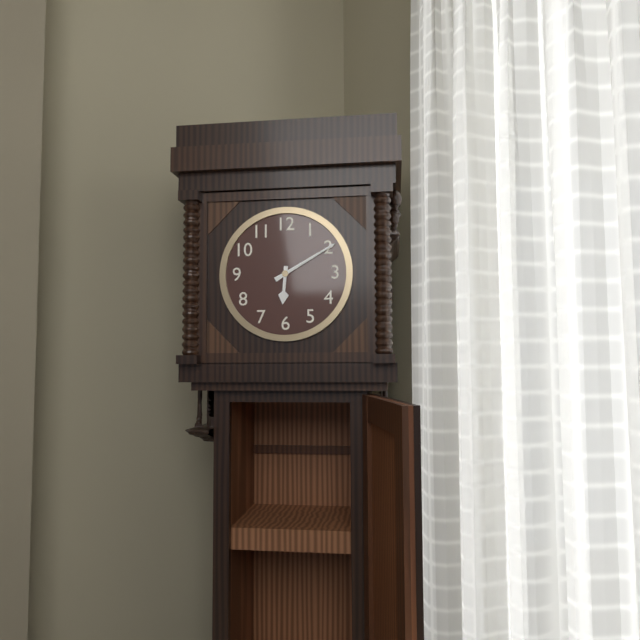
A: **6:10**
